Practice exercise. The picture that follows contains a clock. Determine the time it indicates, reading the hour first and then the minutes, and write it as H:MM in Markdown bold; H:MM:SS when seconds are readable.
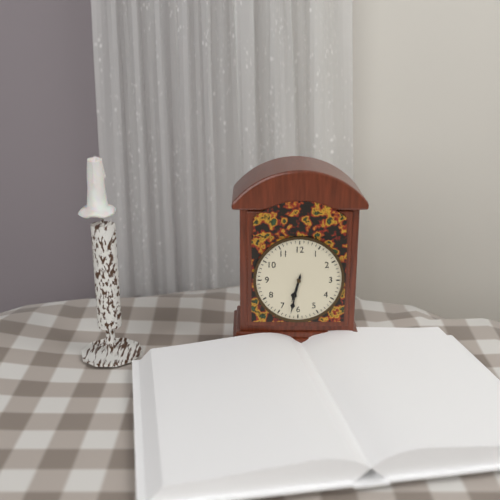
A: **6:32**
